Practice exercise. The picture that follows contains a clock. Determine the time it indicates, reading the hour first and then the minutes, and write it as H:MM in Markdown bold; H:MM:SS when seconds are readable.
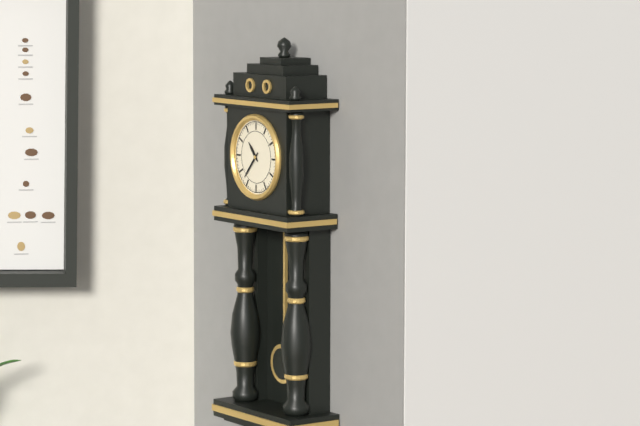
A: **10:37**
